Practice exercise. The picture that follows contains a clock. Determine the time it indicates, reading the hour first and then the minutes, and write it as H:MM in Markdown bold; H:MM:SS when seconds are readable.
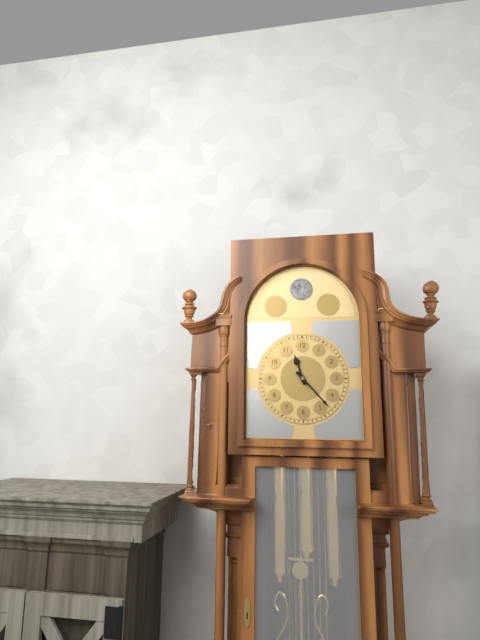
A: **11:23**
